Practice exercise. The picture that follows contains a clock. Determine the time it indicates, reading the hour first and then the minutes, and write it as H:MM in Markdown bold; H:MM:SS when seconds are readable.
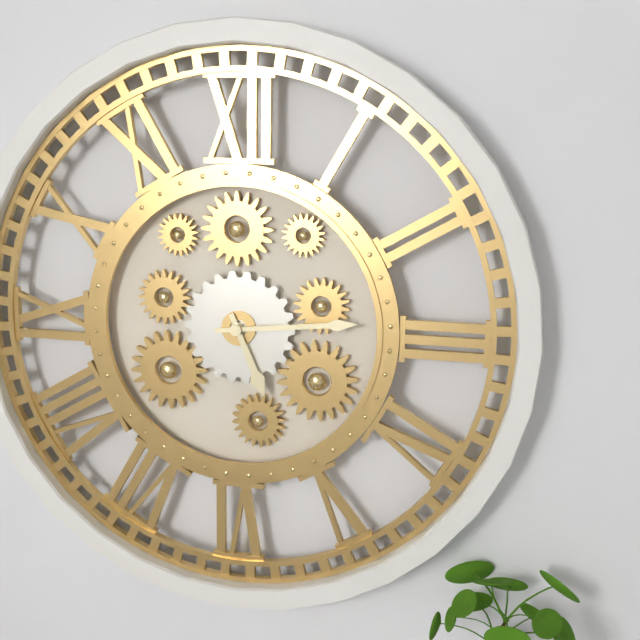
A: **5:14**
